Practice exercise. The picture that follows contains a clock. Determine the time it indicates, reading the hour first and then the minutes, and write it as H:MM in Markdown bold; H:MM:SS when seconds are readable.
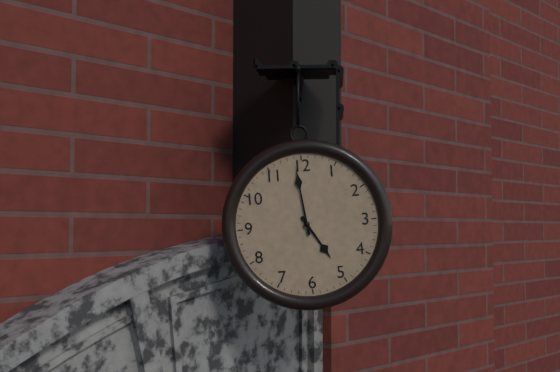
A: **4:59**
